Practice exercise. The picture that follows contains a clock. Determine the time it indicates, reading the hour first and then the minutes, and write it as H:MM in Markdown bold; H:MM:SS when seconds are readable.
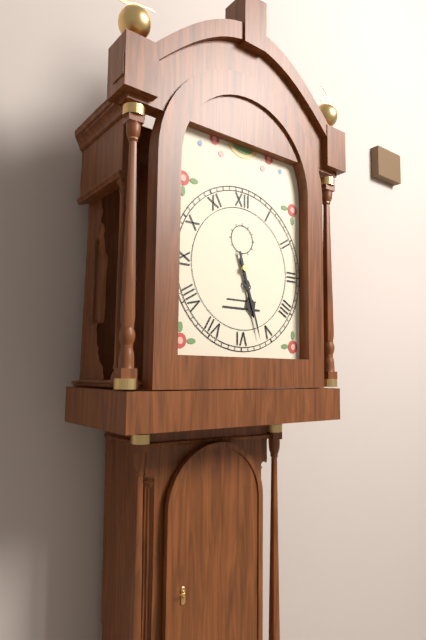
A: **5:27**
